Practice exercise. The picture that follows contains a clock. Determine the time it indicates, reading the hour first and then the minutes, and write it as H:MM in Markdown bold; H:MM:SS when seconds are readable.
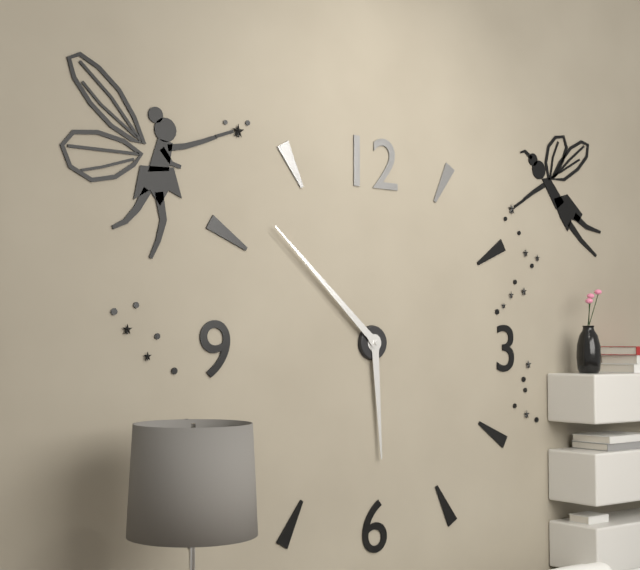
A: **5:52**
